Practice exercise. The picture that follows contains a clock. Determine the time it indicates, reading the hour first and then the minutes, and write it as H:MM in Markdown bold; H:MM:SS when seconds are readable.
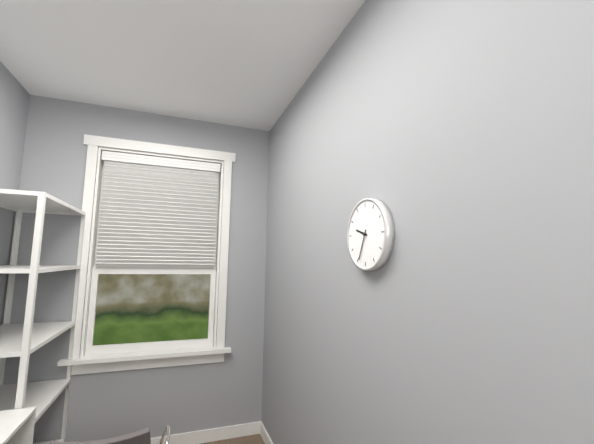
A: **9:34**
